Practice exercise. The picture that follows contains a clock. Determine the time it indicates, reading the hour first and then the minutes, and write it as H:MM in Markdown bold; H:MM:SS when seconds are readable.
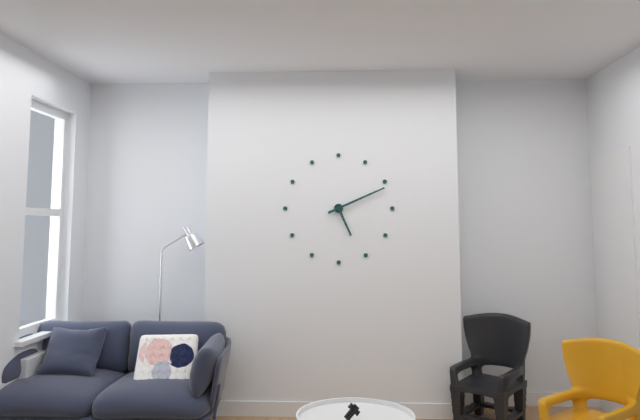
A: **5:11**
